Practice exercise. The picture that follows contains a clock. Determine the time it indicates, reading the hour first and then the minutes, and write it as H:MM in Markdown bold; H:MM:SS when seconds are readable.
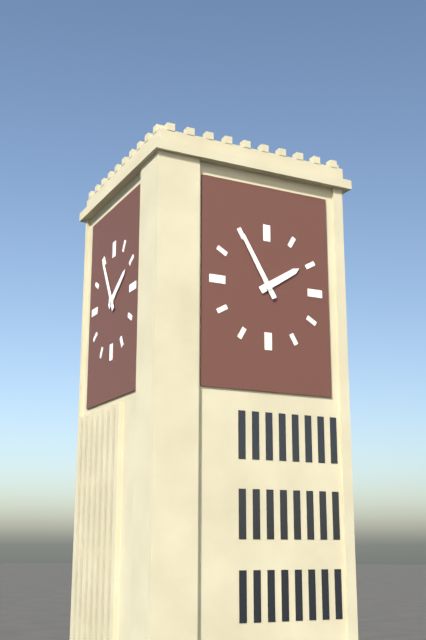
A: **1:55**
